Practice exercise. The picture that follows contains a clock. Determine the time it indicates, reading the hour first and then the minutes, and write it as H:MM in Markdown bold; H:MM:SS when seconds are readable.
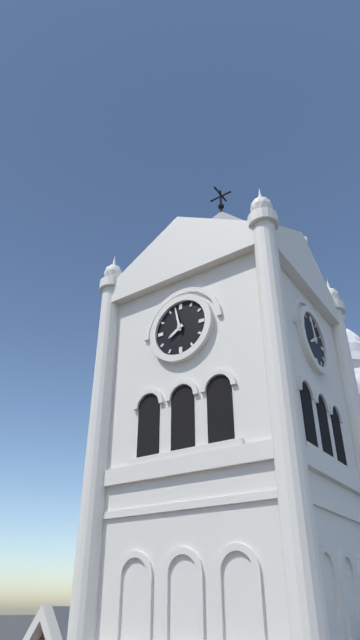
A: **7:58**
